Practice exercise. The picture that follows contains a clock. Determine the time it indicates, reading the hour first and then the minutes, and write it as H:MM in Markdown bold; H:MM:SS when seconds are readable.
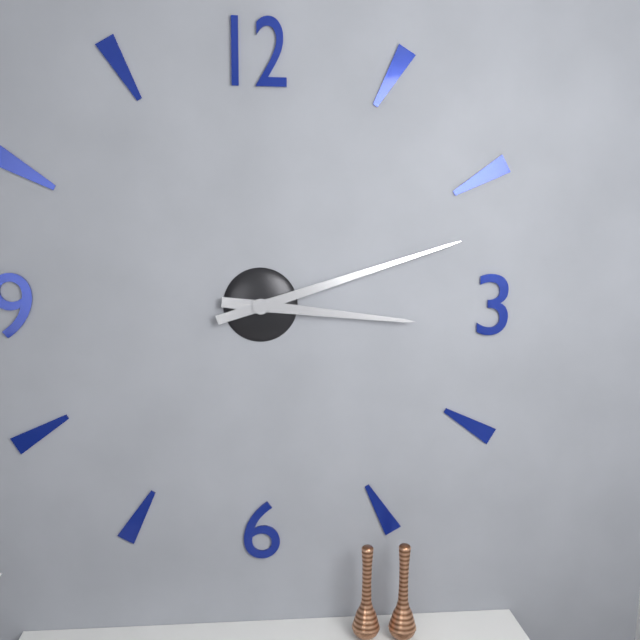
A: **3:12**
